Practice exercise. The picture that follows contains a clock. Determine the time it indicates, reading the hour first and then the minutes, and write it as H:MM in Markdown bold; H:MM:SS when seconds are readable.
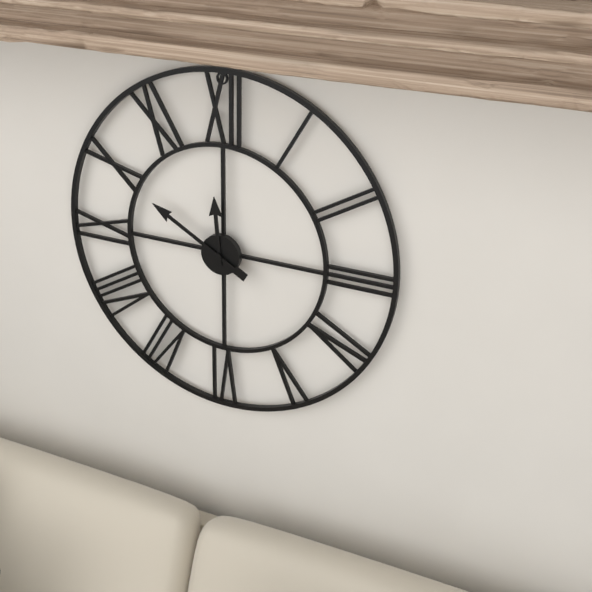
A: **11:50**
